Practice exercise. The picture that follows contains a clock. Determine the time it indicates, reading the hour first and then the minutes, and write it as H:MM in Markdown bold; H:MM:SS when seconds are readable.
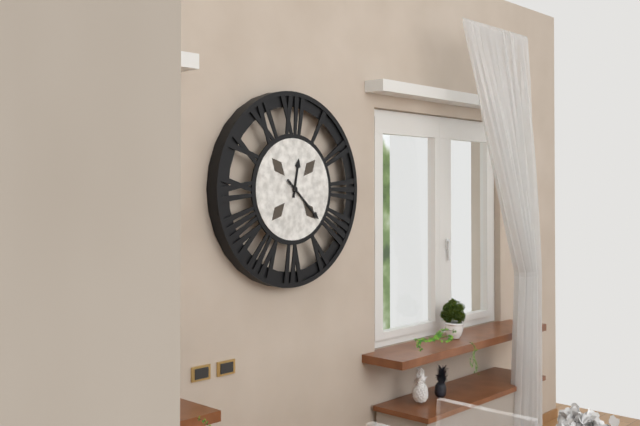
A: **12:22**
